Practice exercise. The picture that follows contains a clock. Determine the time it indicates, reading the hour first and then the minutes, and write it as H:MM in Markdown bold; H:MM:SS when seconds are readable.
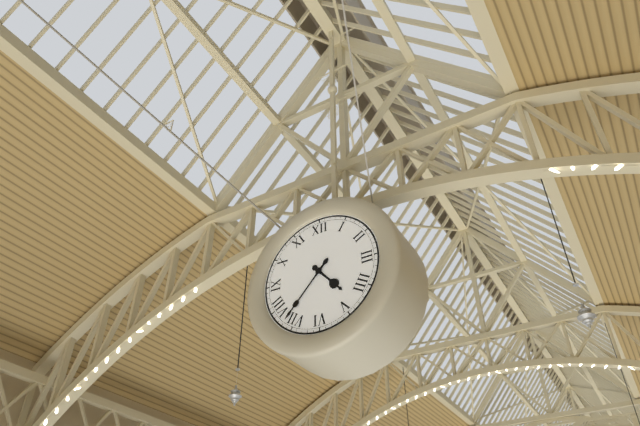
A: **4:37**
